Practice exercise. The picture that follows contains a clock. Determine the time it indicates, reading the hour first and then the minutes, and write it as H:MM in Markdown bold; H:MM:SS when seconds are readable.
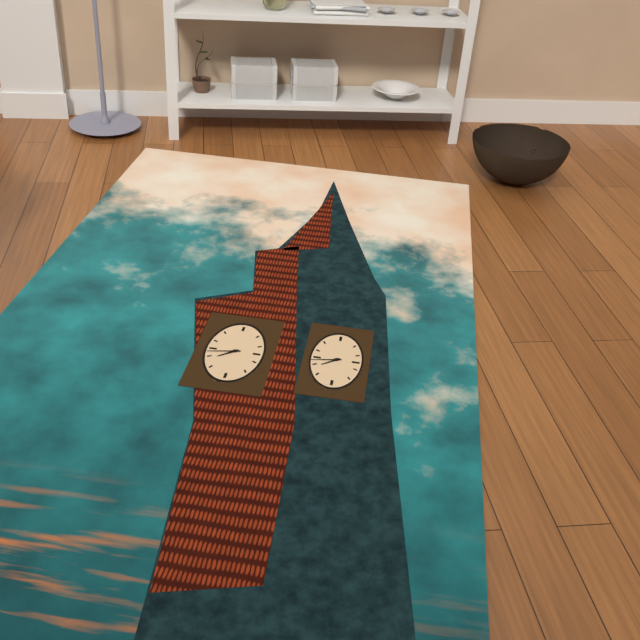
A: **7:43**
